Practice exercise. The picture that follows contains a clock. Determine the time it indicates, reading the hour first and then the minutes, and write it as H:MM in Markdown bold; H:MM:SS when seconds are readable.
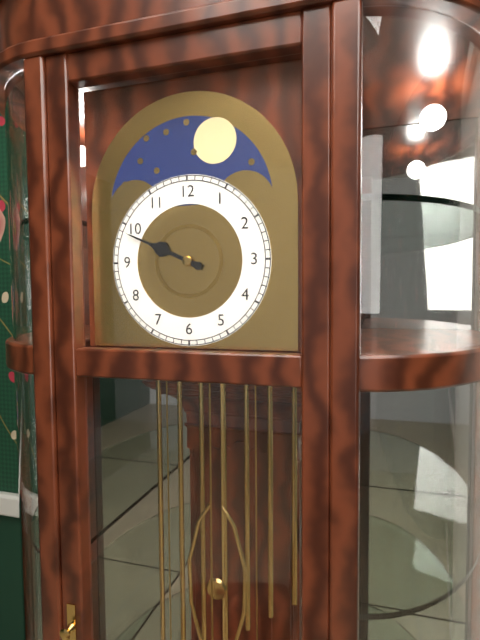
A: **9:49**
